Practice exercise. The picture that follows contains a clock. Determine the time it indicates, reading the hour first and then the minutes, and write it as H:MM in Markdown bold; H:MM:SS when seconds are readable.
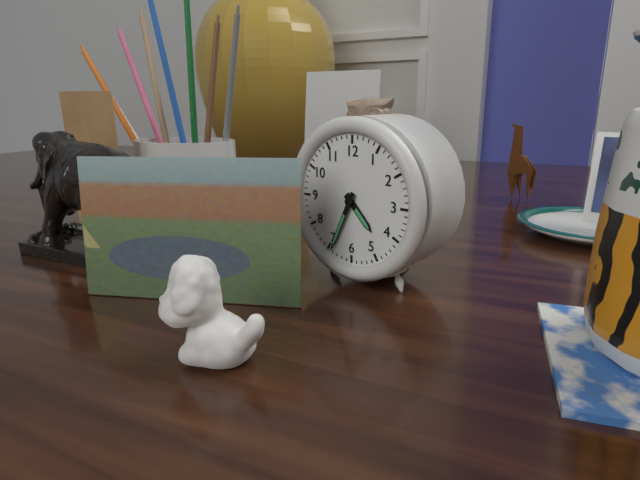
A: **4:34**
